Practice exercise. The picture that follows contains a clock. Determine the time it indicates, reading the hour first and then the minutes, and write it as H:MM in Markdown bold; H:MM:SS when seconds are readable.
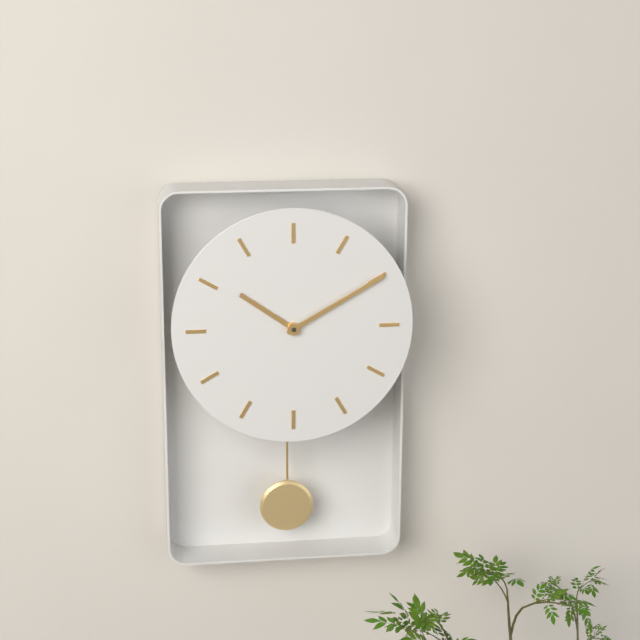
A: **10:10**
